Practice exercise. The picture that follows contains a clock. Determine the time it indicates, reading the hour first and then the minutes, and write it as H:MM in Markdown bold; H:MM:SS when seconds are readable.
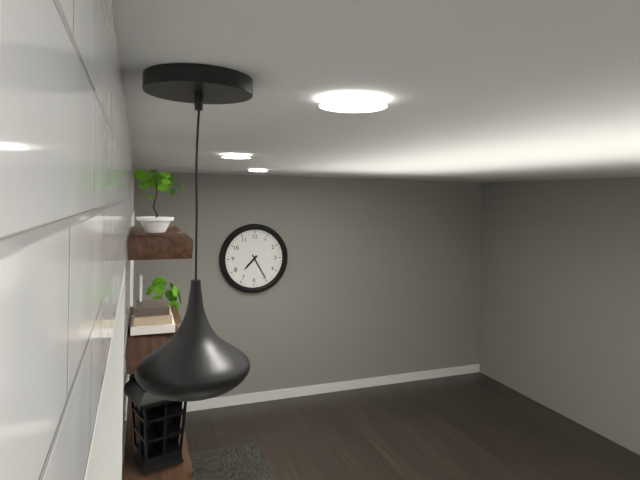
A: **7:25**
